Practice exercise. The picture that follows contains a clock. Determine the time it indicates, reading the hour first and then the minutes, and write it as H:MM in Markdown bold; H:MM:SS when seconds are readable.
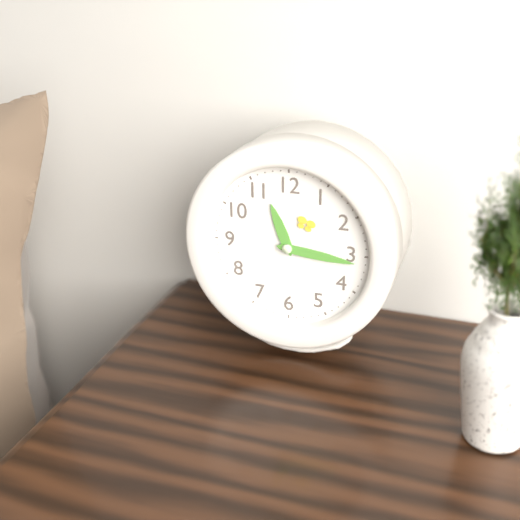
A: **11:16**
